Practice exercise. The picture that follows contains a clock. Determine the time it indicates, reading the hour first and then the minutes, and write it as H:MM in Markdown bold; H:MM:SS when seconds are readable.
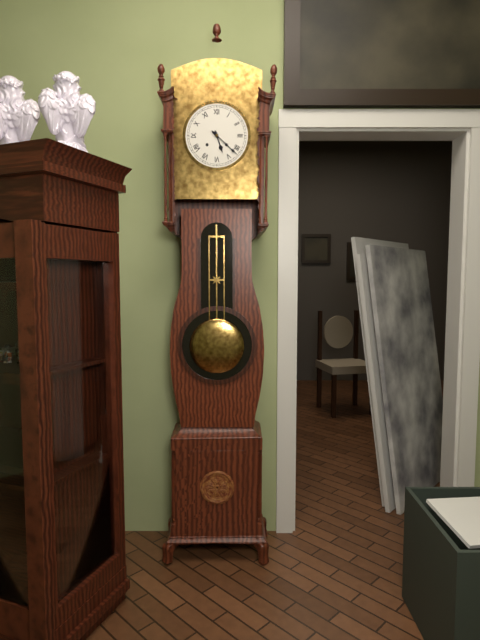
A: **5:22**
